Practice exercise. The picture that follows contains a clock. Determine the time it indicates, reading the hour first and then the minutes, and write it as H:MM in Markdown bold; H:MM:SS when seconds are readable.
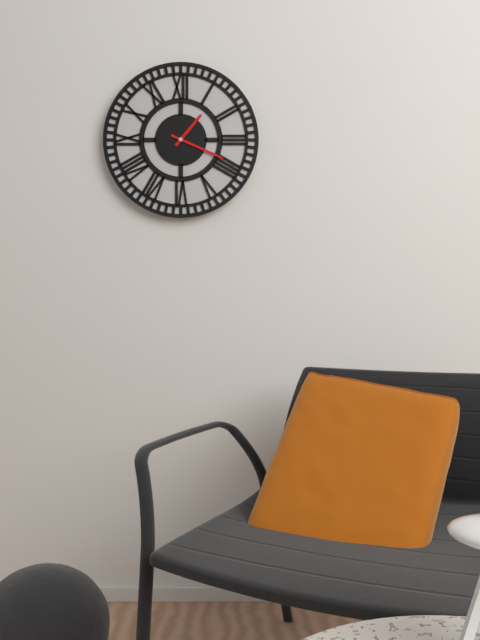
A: **1:19**
